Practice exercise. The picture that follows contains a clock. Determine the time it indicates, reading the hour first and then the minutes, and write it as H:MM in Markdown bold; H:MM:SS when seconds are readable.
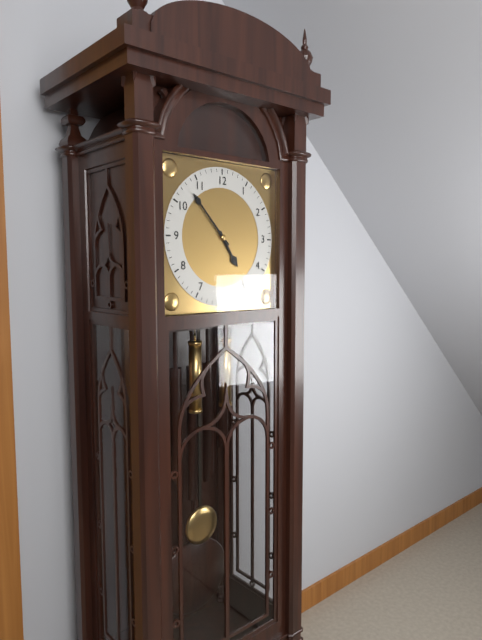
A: **4:53**
